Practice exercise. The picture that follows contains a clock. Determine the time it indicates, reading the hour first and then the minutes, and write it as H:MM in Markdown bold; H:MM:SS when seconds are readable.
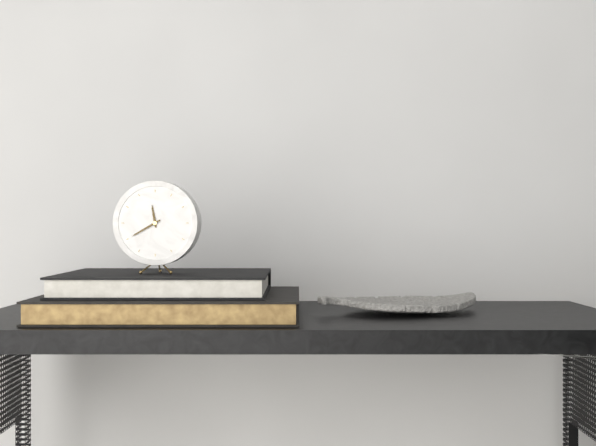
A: **11:40**
